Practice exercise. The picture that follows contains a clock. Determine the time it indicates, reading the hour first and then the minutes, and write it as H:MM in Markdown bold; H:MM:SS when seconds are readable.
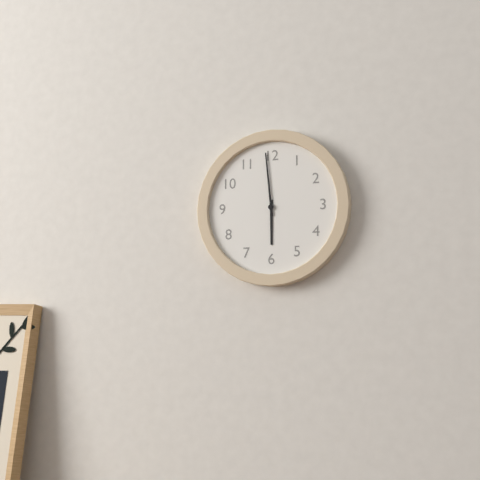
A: **5:59**
